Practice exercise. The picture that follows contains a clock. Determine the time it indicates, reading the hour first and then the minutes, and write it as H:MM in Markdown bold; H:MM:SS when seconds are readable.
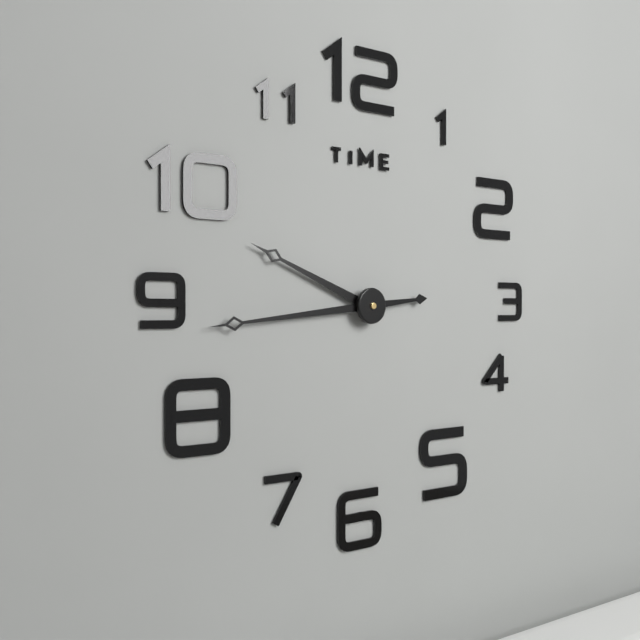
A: **9:44**
